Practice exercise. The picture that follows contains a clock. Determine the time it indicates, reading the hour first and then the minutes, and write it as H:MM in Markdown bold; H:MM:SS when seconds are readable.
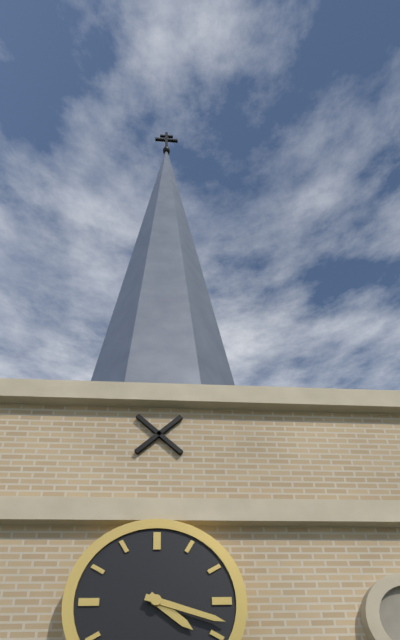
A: **4:18**
